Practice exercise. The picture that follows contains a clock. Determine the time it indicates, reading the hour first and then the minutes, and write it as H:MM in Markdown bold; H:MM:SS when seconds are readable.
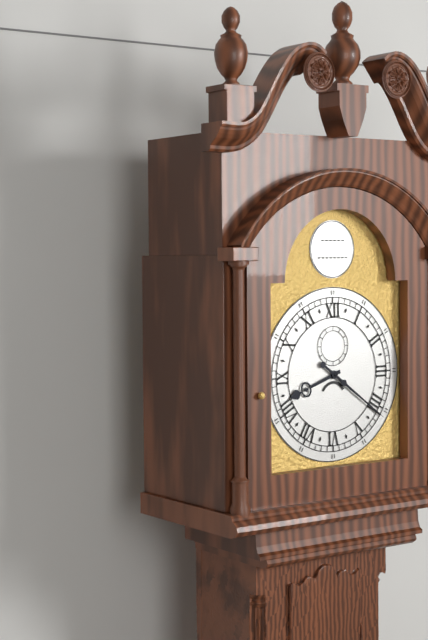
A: **8:21**
